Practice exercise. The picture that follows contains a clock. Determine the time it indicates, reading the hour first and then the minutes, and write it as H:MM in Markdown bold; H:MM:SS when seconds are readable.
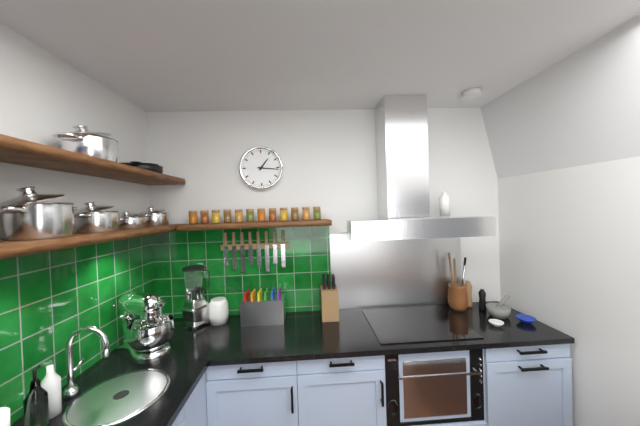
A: **1:16**
